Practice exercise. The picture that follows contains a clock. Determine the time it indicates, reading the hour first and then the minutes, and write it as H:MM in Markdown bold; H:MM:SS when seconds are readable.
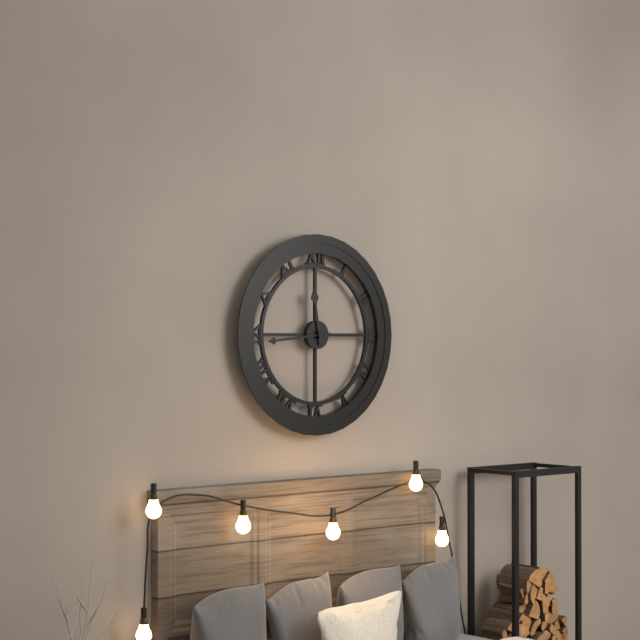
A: **11:44**
